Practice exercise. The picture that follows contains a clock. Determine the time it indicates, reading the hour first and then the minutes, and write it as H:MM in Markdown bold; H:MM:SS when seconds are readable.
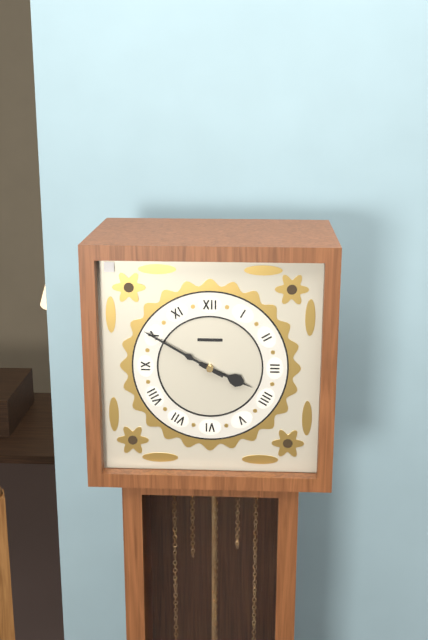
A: **3:50**
